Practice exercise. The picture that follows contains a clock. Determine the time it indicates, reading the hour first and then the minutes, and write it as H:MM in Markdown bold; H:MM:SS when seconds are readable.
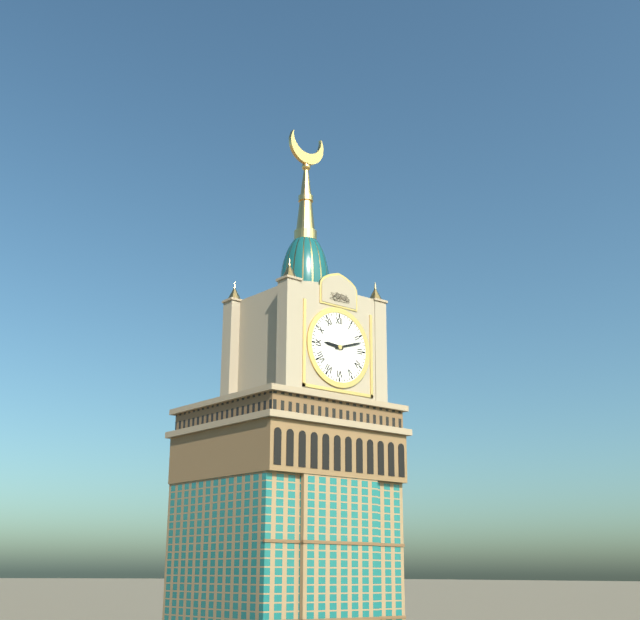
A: **9:12**
